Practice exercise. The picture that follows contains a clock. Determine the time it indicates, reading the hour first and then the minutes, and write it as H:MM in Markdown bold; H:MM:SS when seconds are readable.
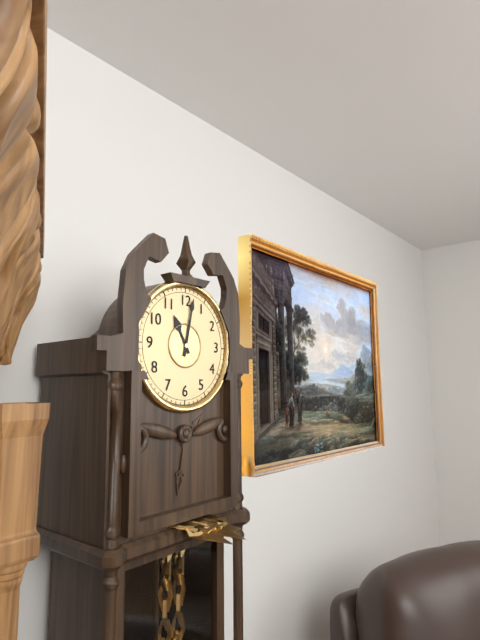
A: **11:02**
